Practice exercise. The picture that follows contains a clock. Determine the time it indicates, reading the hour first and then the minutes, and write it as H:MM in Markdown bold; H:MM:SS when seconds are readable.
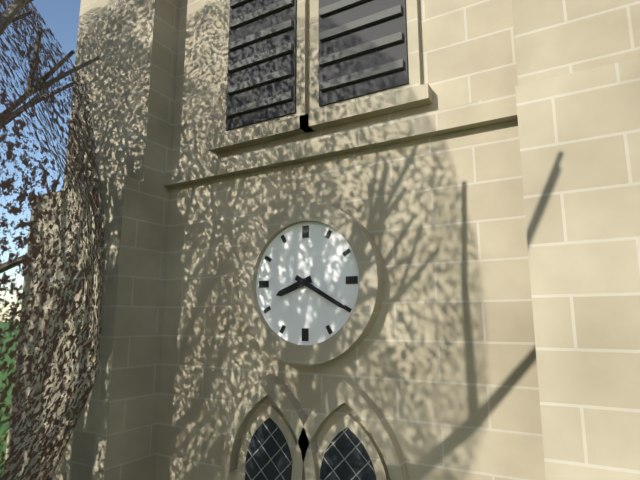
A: **8:20**
